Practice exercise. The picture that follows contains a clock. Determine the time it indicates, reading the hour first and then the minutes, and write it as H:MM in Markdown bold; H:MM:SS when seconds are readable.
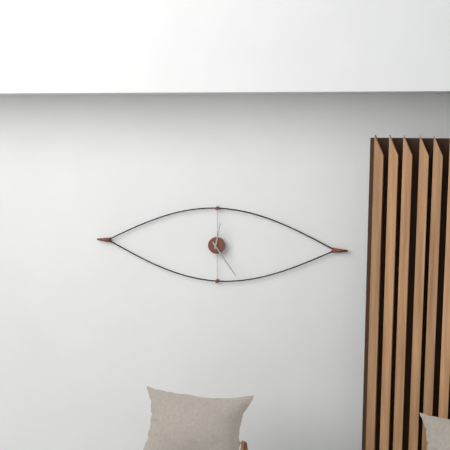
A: **12:24**
